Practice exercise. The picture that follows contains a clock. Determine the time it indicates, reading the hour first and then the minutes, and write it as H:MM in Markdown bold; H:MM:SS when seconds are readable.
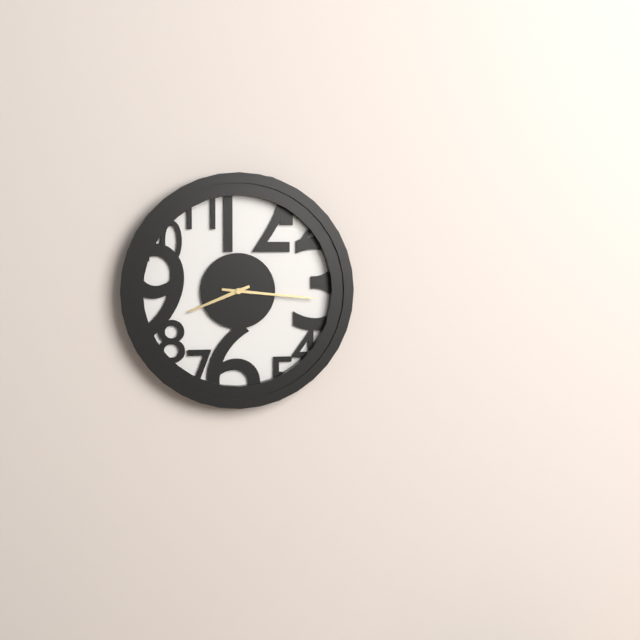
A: **8:16**
